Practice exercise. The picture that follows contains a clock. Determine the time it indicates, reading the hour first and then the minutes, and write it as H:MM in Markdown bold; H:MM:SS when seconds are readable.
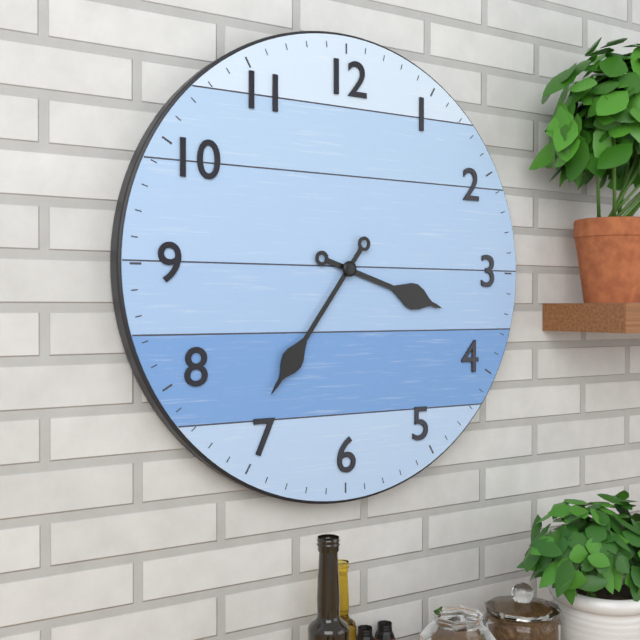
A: **3:36**
